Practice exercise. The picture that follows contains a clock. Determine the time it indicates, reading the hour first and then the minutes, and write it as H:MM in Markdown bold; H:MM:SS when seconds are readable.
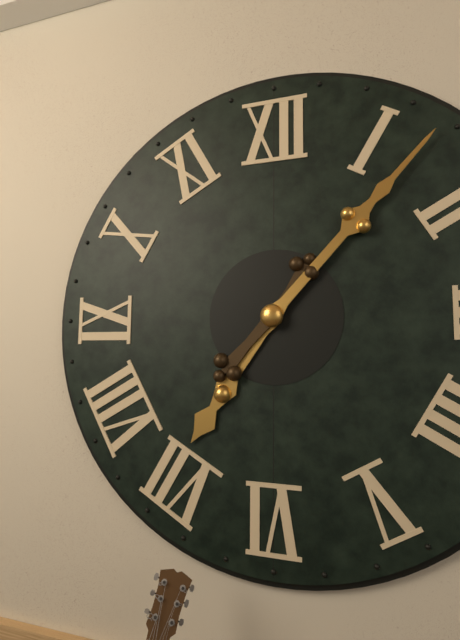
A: **7:07**
